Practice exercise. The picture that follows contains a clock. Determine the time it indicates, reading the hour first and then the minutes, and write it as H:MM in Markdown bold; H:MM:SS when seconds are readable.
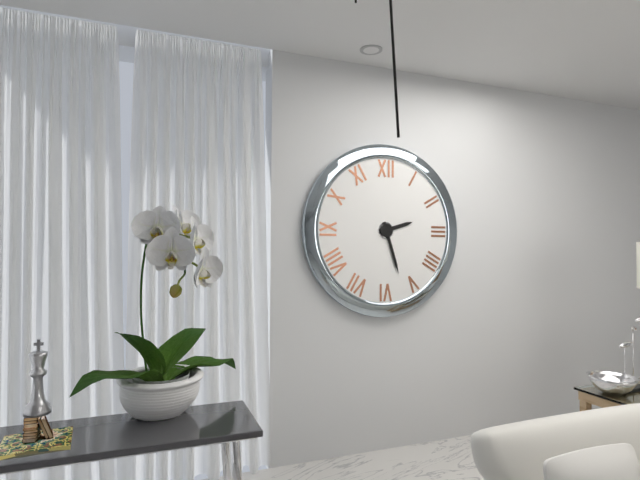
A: **2:27**
